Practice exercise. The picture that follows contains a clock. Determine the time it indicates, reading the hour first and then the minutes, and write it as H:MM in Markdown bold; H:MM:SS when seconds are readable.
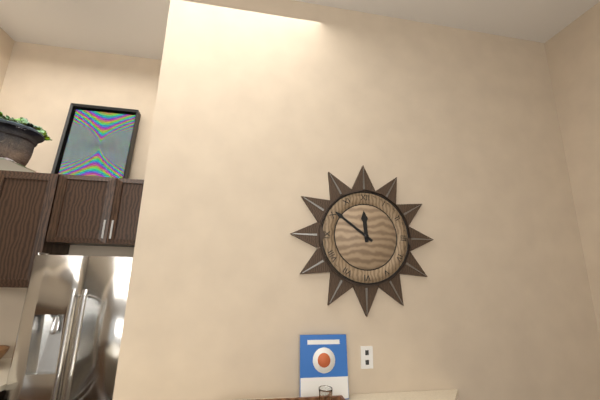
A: **11:51**
